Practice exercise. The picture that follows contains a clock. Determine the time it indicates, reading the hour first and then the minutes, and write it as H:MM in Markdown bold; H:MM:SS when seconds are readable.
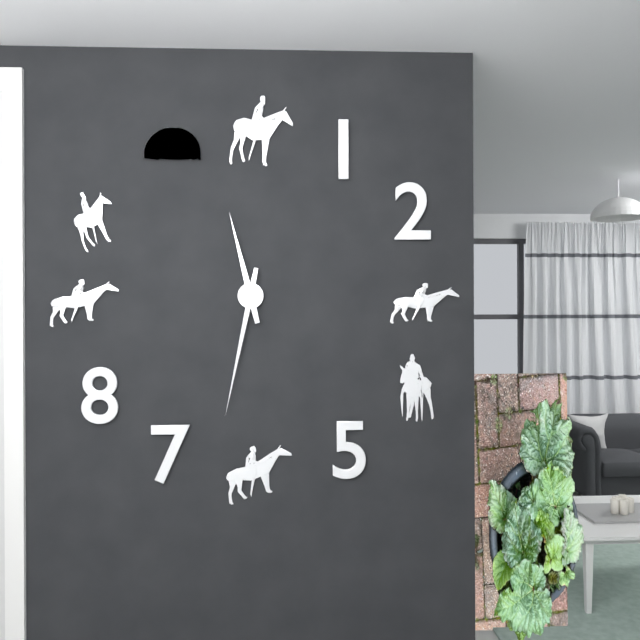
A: **11:32**
